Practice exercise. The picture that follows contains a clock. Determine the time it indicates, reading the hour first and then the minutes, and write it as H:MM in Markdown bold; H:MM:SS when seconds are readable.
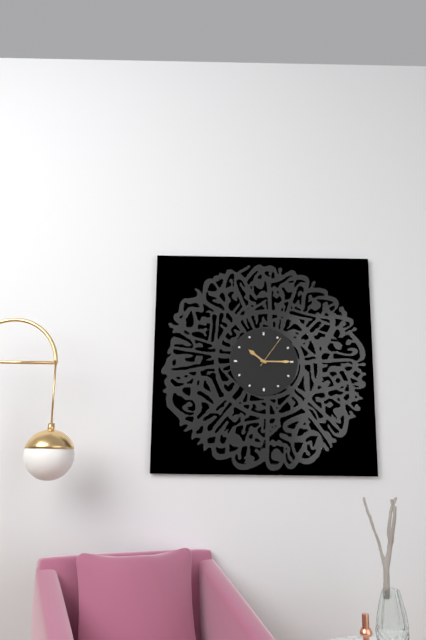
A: **10:15**
